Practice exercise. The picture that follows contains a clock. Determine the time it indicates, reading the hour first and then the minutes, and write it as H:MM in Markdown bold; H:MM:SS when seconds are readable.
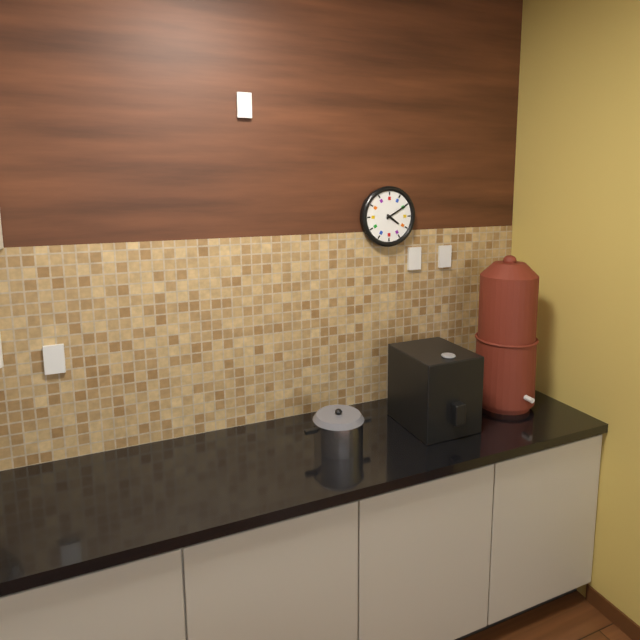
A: **4:10**
